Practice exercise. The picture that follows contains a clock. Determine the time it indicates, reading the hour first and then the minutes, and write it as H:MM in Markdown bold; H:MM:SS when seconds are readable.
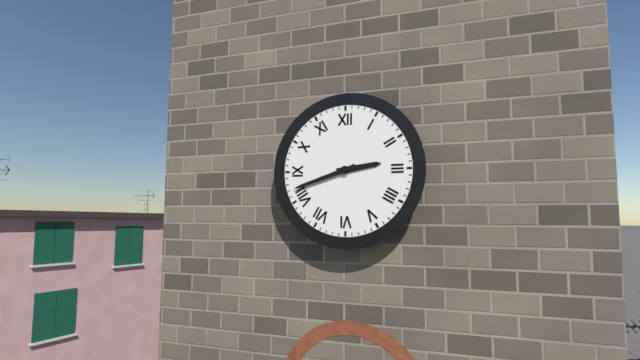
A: **2:42**
